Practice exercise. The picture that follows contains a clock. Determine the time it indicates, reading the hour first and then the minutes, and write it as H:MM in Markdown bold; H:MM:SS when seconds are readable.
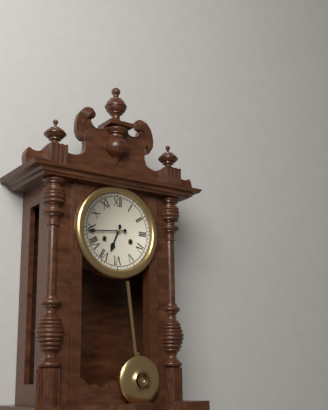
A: **6:44**
